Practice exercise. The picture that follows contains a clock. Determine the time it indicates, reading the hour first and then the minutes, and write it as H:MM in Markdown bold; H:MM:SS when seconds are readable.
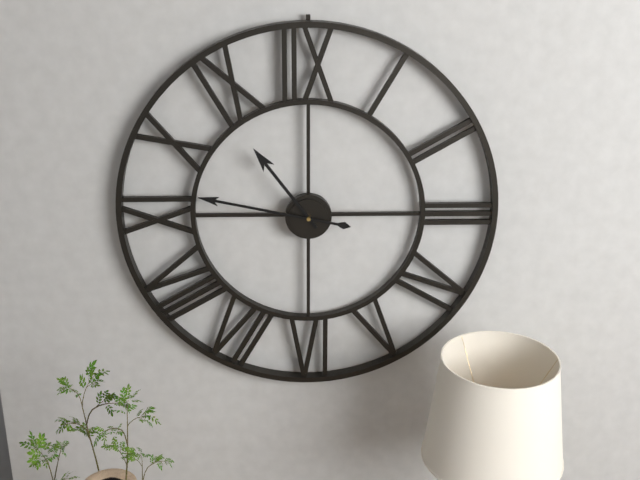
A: **10:47**
